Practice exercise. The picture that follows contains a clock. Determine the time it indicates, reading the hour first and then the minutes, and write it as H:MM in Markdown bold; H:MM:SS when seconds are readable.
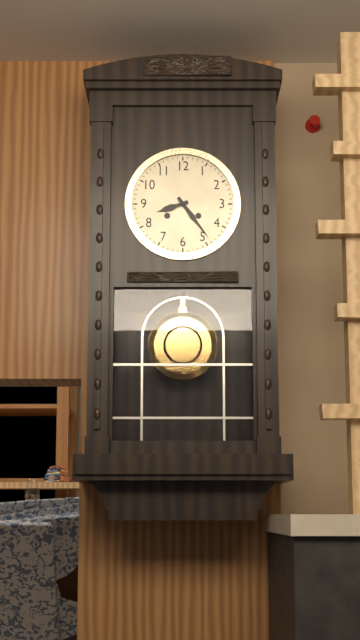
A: **8:24**
